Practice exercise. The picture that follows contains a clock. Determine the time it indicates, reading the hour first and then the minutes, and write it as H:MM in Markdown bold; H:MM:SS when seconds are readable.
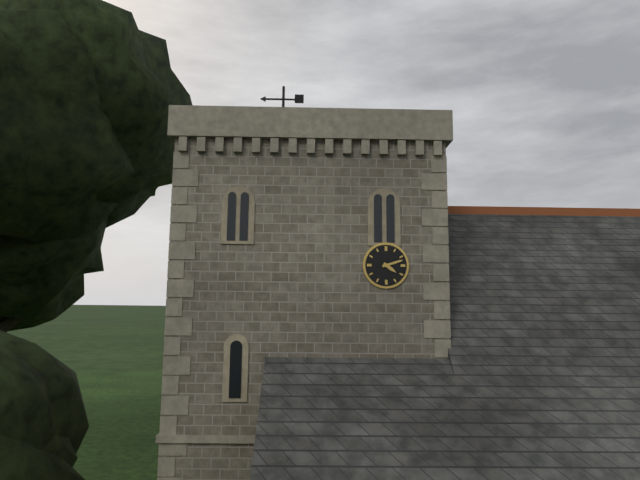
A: **4:12**
